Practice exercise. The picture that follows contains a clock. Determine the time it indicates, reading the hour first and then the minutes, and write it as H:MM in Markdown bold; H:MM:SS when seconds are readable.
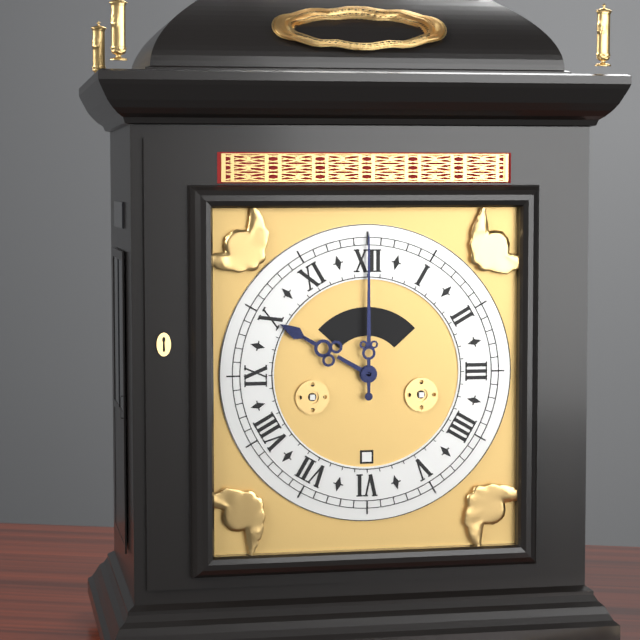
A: **10:00**
